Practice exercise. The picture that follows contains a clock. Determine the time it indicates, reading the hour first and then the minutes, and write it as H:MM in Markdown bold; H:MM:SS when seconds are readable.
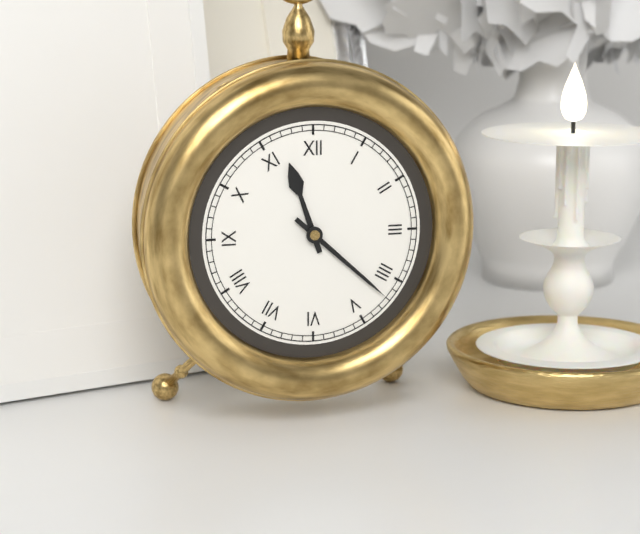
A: **11:22**
